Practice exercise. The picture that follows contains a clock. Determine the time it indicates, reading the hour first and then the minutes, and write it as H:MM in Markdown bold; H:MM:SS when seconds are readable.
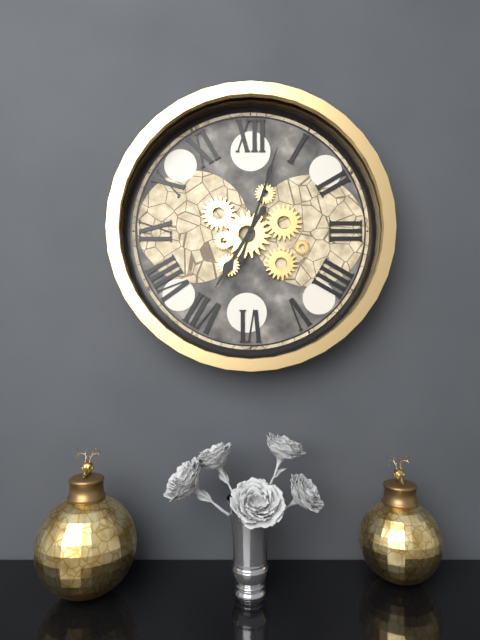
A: **7:03**
